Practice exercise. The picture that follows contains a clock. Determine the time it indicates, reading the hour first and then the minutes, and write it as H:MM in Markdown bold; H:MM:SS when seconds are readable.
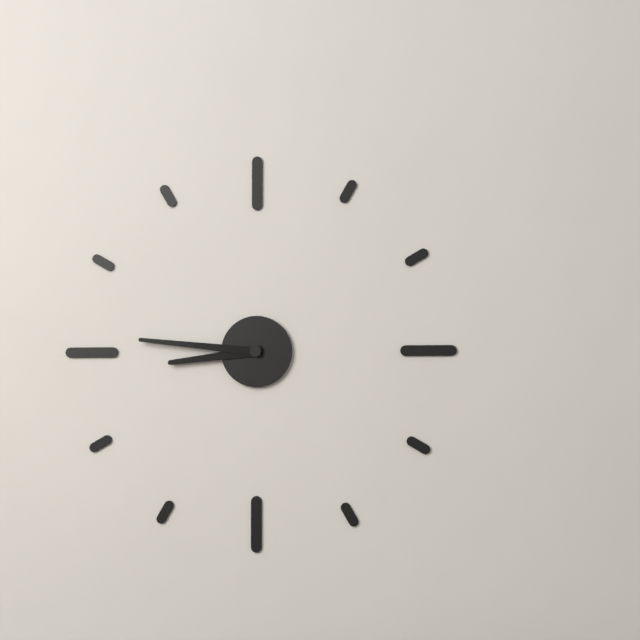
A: **8:46**
